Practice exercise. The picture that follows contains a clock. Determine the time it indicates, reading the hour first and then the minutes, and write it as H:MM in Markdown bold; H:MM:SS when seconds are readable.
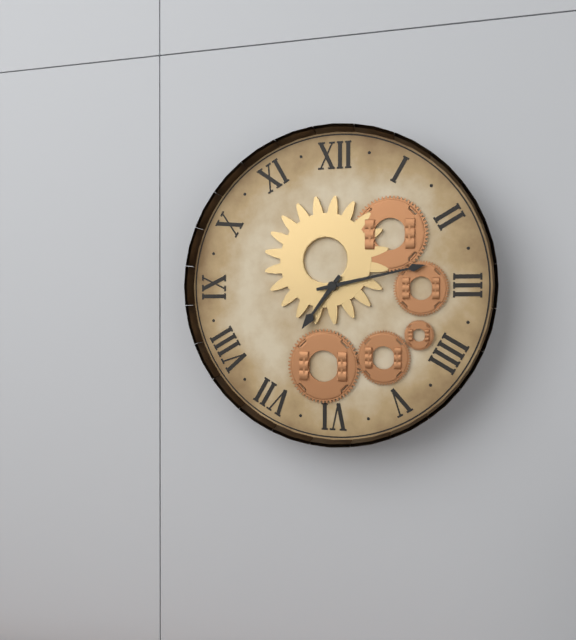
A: **7:13**
